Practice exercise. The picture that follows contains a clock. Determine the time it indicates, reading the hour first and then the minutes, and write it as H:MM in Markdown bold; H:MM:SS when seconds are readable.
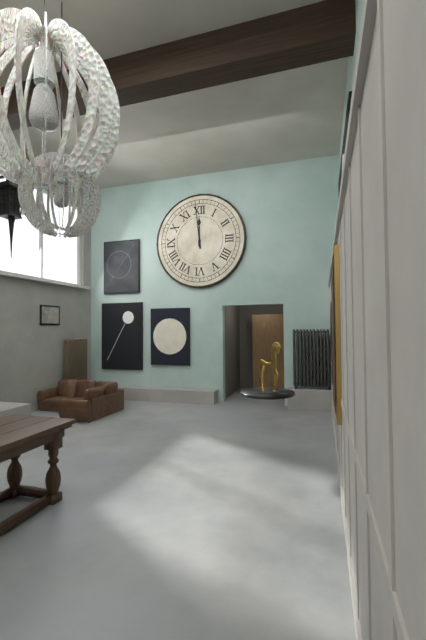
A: **11:59**
